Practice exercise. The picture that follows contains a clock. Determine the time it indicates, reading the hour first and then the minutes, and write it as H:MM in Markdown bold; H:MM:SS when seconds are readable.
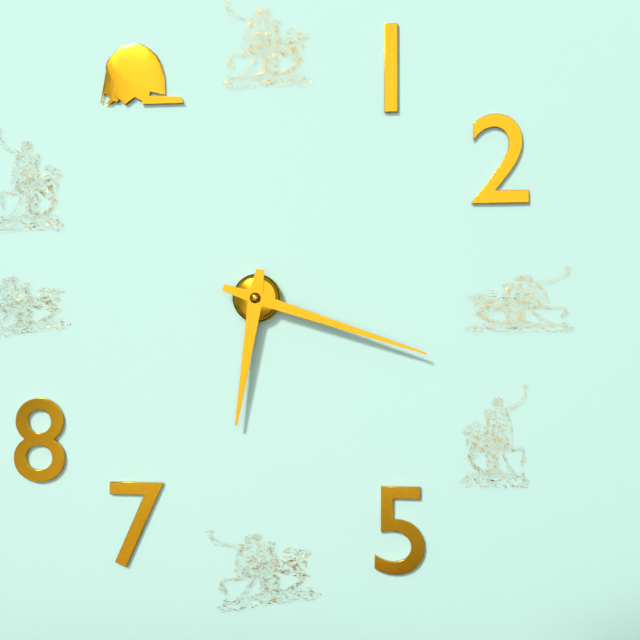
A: **6:18**
